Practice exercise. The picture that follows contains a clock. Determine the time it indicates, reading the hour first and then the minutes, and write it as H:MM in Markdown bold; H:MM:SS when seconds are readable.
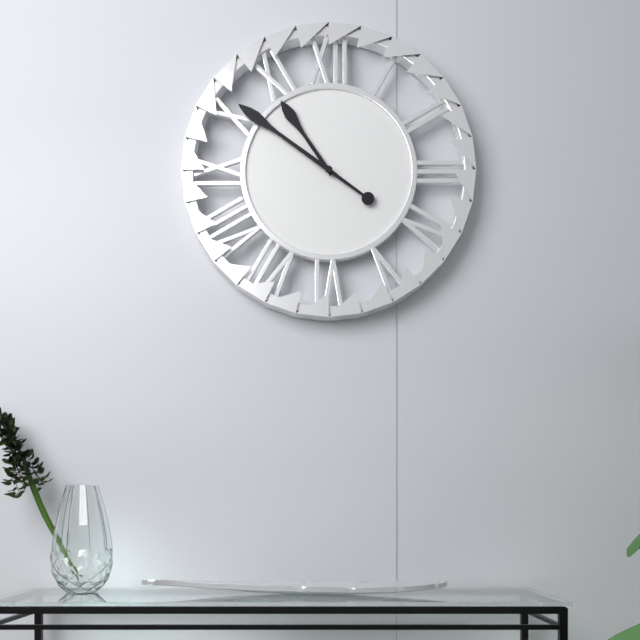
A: **10:51**
